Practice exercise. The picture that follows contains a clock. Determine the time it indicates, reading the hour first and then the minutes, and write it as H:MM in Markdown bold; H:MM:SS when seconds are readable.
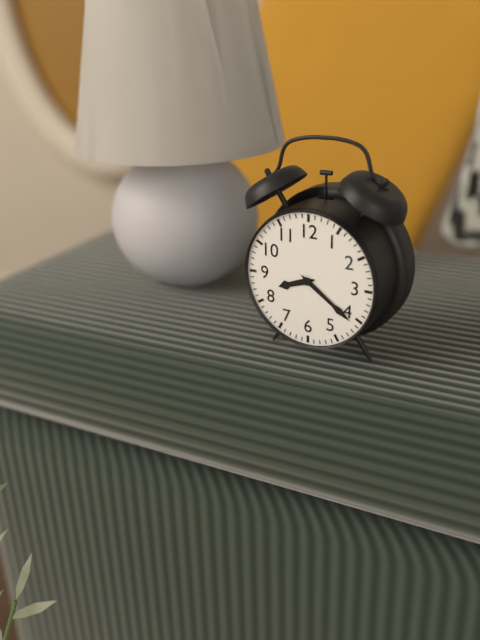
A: **8:21**
